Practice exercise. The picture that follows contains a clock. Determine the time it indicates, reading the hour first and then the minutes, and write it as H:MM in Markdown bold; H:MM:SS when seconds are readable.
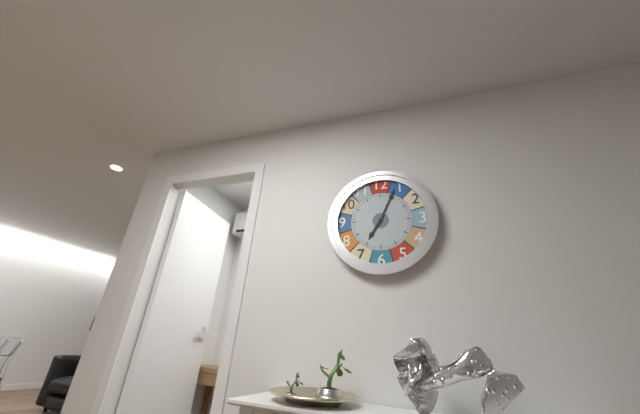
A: **7:04**
